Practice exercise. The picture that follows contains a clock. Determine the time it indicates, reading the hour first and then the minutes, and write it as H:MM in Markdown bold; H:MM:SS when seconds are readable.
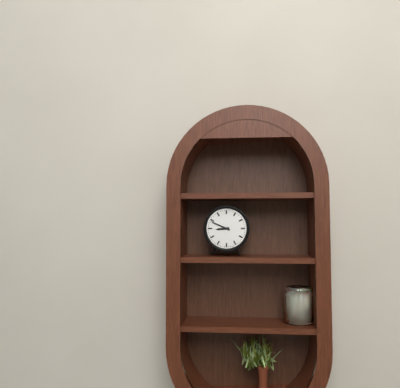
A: **8:49**
